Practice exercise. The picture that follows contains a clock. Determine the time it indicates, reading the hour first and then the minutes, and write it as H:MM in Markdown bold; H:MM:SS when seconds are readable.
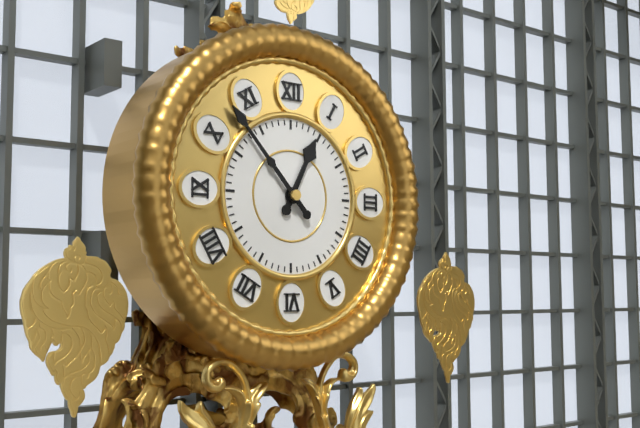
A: **12:53**
